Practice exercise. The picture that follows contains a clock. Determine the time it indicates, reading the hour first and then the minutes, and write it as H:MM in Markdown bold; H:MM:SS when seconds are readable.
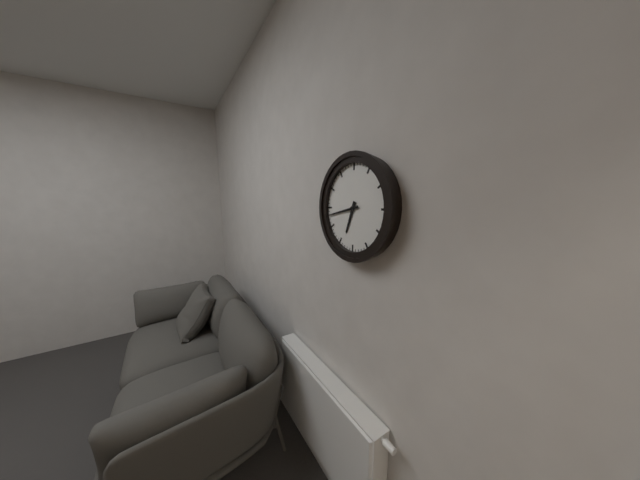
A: **6:43**
